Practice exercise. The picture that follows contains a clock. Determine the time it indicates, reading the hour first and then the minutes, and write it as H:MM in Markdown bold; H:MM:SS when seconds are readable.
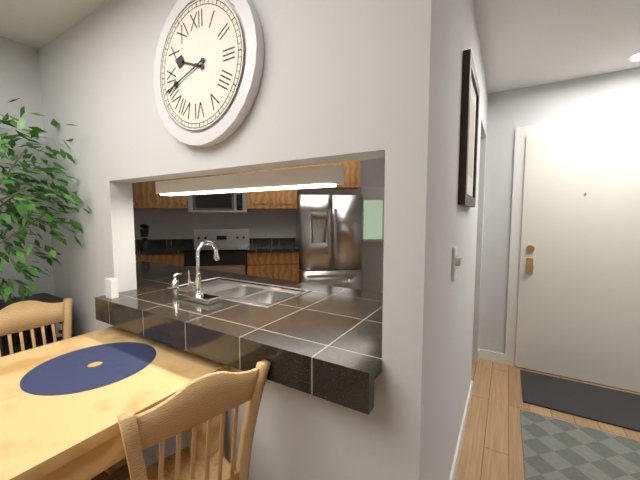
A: **9:42**
